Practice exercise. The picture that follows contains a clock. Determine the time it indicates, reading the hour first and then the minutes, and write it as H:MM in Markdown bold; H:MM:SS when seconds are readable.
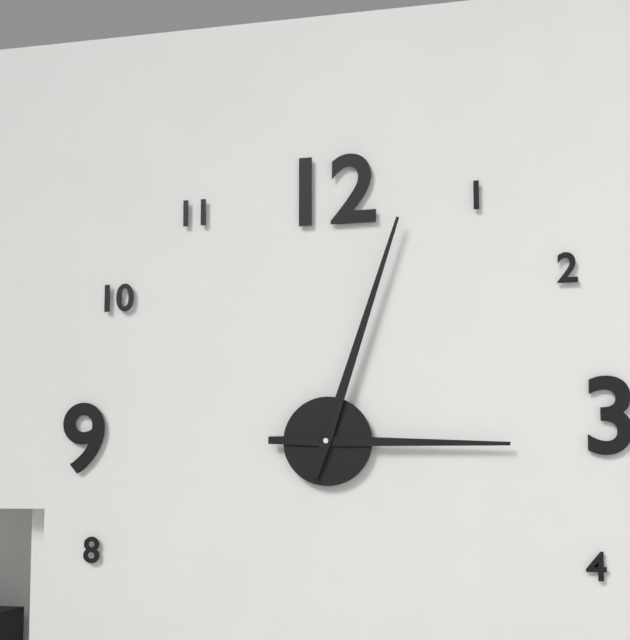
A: **3:03**
